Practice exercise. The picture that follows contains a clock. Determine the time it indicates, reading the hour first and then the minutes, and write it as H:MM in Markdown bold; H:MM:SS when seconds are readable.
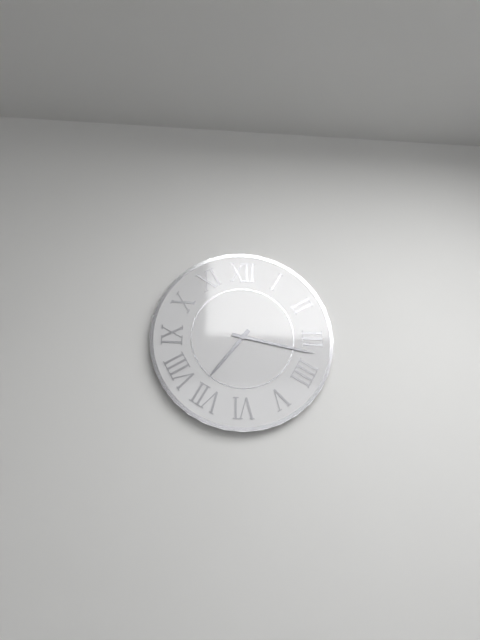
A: **7:17**
